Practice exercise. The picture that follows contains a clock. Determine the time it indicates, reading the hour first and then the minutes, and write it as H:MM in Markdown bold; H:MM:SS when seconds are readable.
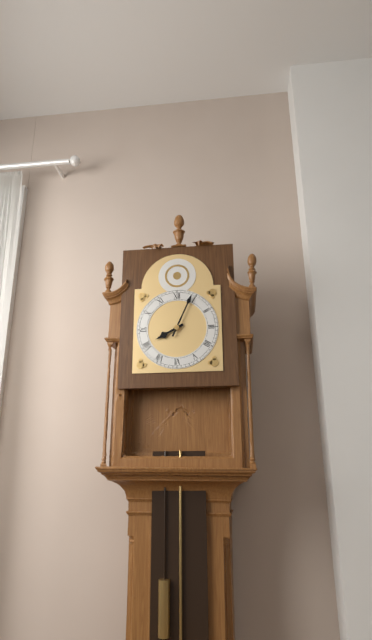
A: **8:04**
